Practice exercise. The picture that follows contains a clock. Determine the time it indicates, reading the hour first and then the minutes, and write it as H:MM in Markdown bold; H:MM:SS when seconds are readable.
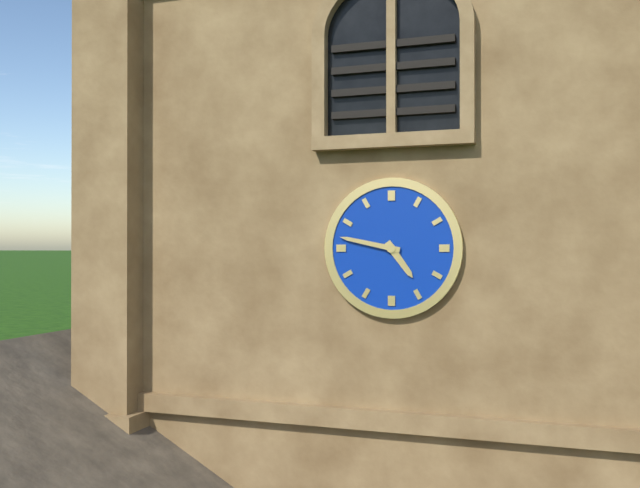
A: **4:47**
